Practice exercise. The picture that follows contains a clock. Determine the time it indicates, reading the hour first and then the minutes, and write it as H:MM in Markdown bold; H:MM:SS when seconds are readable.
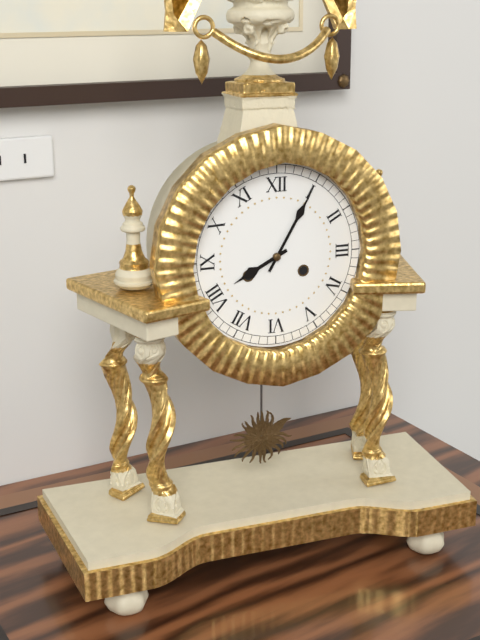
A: **8:05**
